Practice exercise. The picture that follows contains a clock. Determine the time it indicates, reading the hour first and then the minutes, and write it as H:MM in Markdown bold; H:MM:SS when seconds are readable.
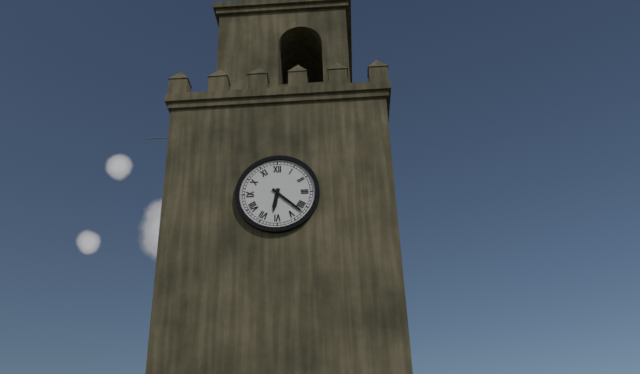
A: **6:22**
